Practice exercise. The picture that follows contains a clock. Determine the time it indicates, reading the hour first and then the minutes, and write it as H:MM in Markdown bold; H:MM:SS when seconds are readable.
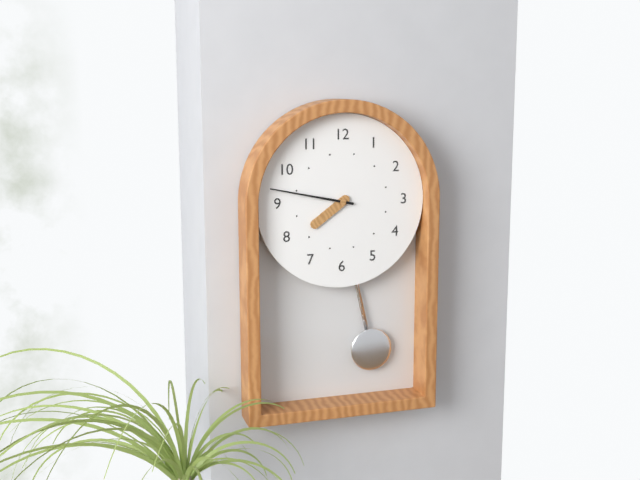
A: **7:47**
